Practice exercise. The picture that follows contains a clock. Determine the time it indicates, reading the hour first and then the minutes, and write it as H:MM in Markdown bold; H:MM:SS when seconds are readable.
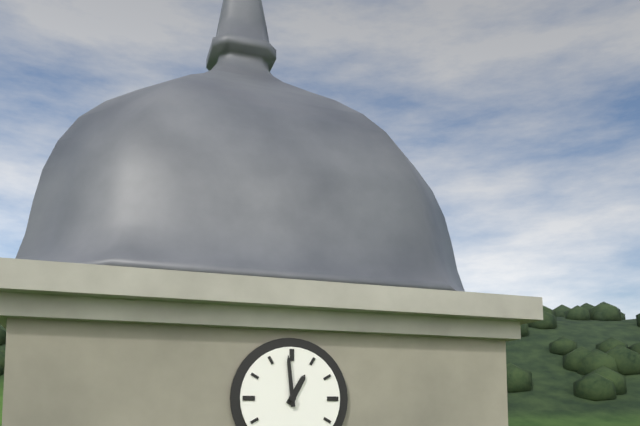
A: **12:59**
